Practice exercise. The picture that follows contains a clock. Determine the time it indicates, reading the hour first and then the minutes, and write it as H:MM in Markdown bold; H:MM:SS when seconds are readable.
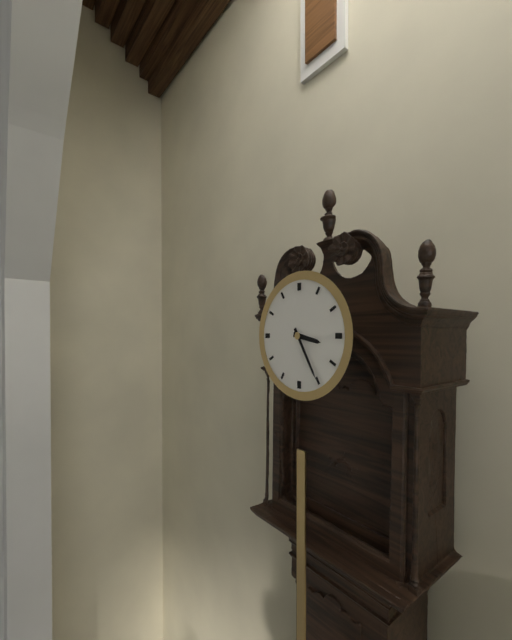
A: **3:25**
